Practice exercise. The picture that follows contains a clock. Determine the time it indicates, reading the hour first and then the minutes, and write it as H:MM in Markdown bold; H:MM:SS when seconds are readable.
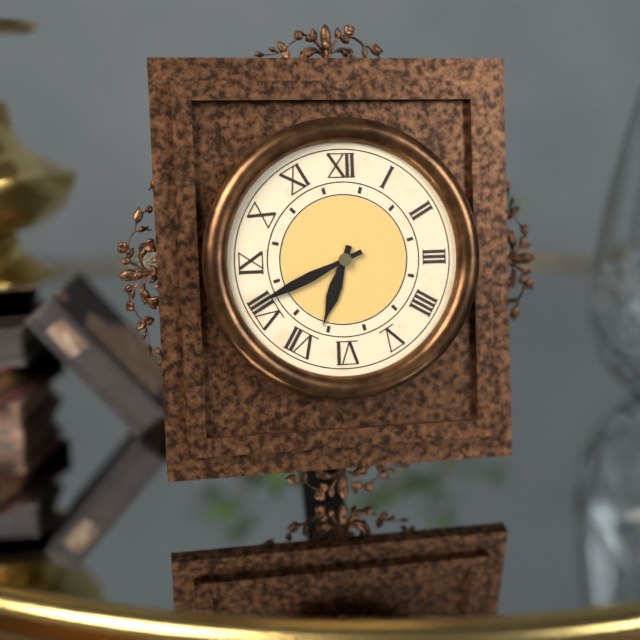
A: **6:41**
